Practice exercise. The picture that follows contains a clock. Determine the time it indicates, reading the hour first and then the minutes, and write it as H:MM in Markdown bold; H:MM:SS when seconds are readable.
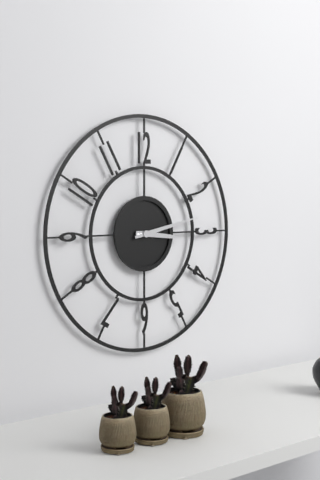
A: **3:13**
